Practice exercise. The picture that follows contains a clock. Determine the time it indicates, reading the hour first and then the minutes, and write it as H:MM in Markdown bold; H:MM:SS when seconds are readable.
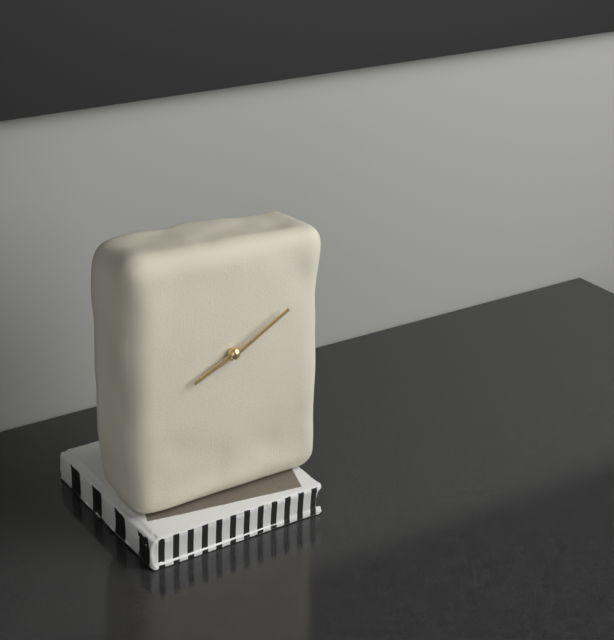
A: **8:10**
